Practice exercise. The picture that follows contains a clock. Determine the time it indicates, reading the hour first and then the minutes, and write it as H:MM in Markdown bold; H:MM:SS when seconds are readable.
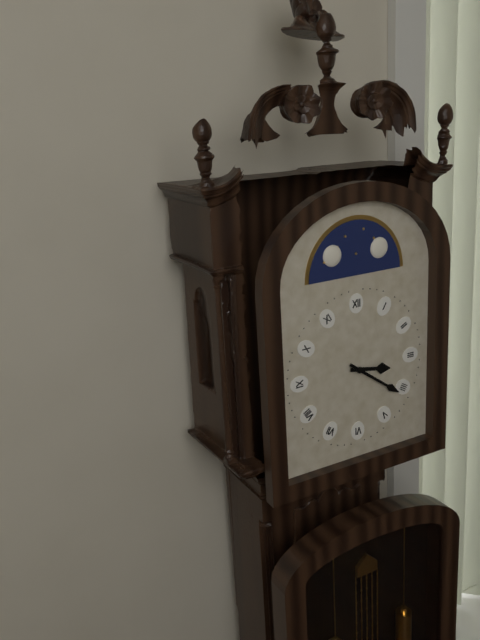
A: **3:21**
